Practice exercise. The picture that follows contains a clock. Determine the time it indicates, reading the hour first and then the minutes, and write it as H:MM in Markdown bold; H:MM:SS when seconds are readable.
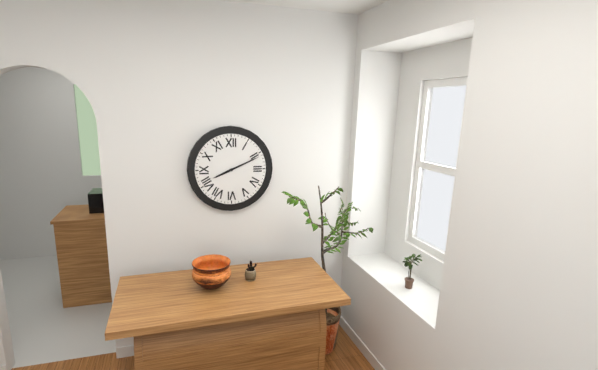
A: **8:11**
